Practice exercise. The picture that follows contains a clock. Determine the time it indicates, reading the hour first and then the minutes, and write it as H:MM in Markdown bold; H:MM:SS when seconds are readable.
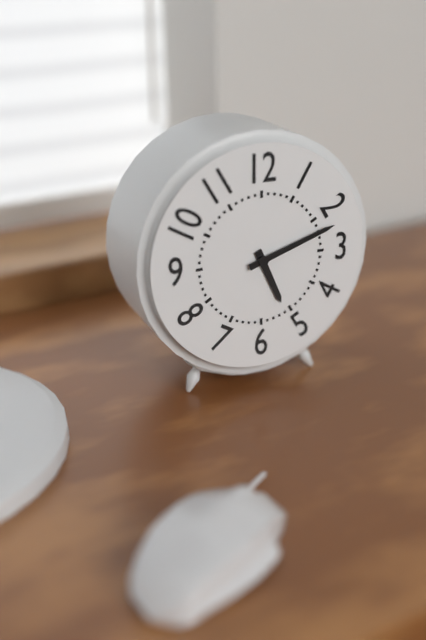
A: **5:12**
